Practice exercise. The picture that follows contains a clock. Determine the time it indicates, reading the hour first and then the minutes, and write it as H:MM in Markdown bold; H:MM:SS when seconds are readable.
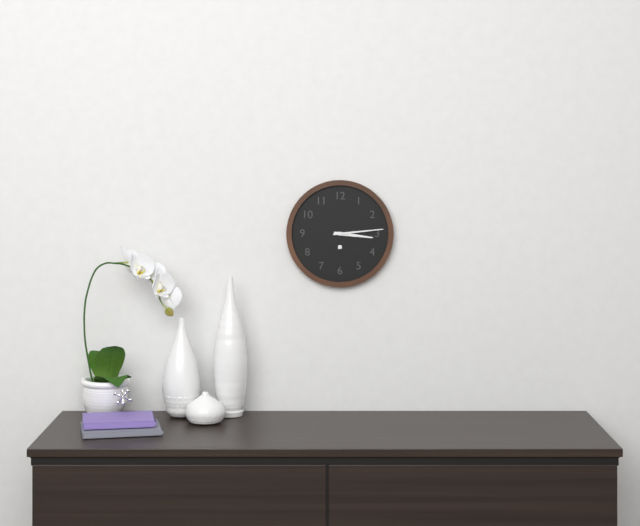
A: **3:14**
